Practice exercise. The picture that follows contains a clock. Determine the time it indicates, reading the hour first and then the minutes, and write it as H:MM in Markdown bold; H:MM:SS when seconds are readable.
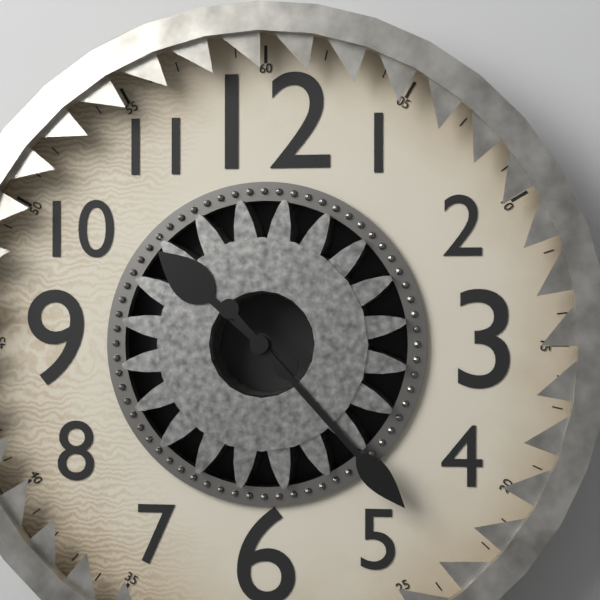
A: **10:23**
